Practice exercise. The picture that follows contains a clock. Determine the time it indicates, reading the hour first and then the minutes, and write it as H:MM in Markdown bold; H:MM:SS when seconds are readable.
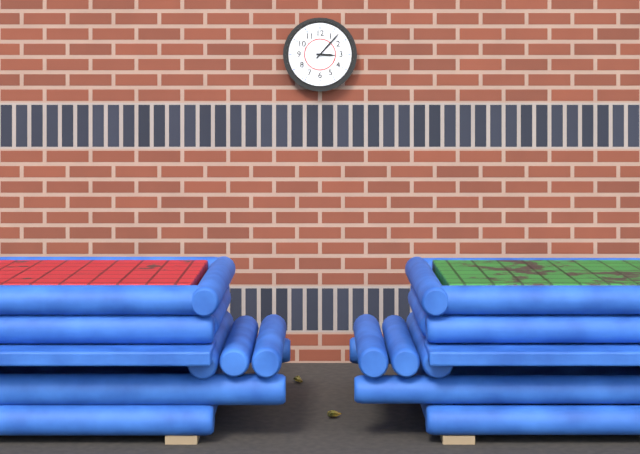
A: **3:07**
